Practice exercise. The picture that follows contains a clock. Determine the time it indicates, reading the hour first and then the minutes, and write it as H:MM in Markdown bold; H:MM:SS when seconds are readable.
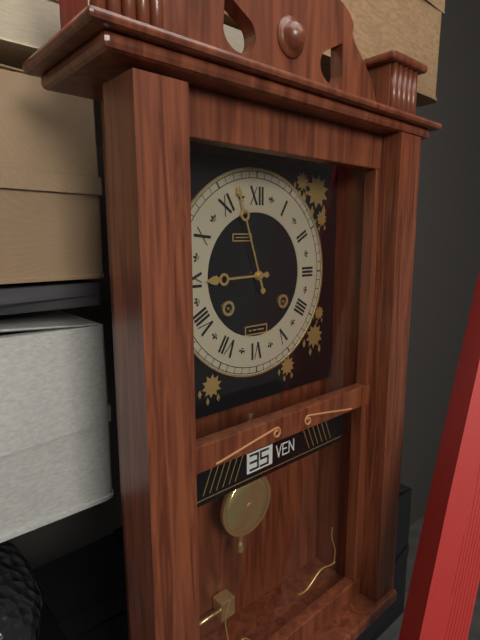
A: **8:57**
